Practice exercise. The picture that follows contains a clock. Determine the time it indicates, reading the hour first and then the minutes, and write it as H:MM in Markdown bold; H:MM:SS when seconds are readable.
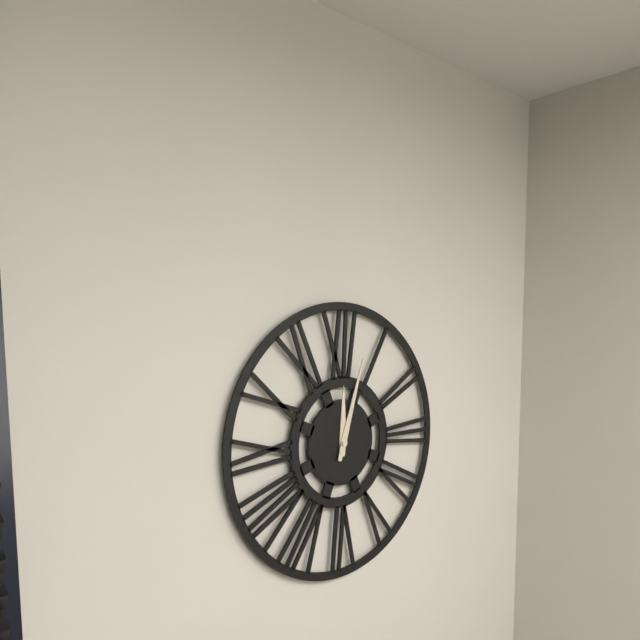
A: **12:03**
